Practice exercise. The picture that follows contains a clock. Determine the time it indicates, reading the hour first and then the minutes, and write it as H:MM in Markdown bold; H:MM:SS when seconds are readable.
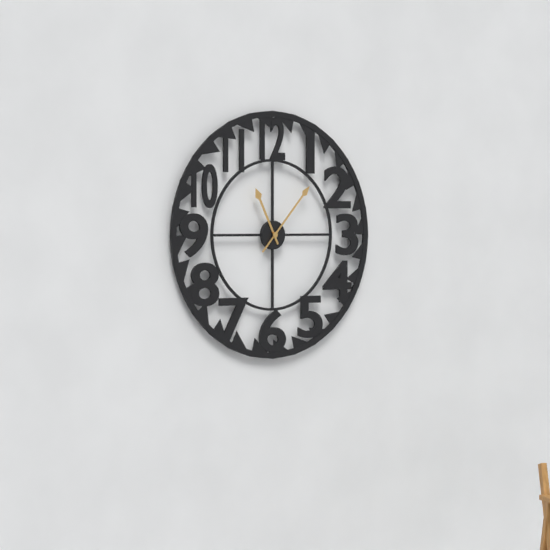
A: **11:07**
